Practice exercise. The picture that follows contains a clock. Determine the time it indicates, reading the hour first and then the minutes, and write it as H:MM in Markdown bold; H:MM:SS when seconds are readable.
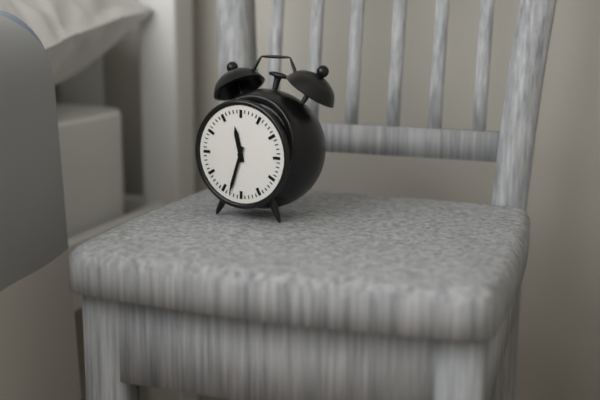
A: **11:33**
